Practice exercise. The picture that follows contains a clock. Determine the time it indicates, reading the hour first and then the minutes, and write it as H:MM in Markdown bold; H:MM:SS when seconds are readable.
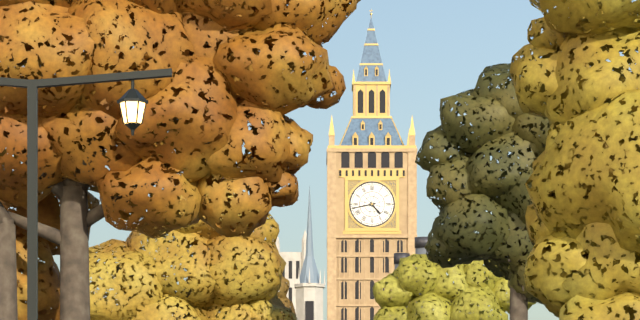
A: **4:43**
